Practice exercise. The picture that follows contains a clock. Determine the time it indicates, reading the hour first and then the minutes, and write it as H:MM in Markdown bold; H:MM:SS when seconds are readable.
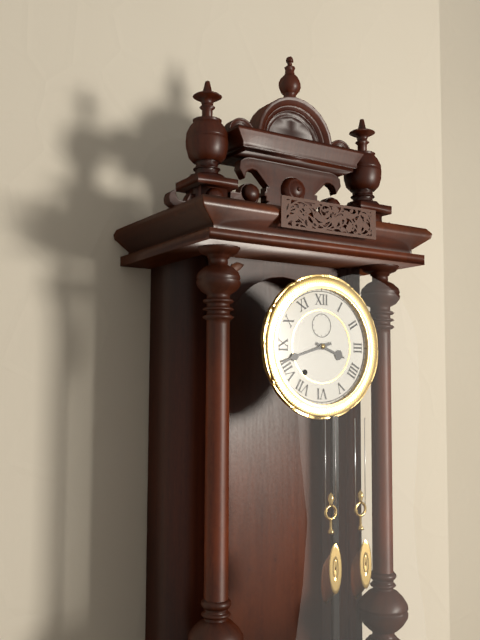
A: **3:42**
